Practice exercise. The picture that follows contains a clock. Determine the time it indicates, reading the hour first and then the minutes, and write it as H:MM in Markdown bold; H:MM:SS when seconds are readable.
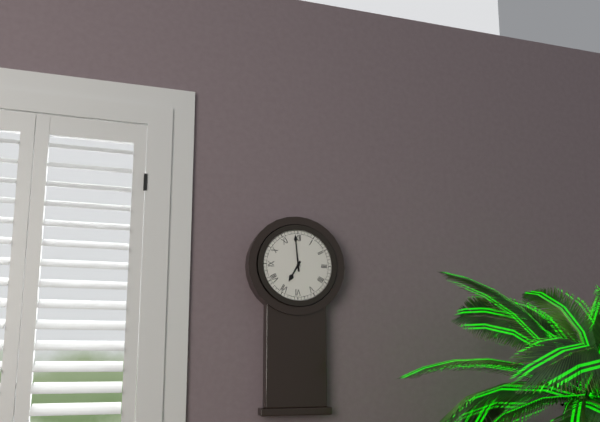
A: **6:59**
